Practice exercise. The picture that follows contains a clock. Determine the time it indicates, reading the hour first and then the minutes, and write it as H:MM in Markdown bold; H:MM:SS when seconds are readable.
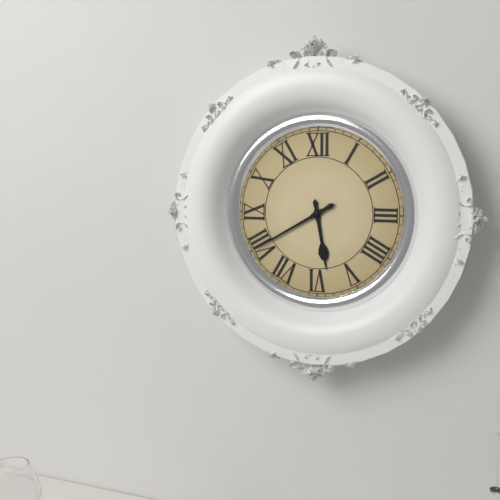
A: **5:40**
